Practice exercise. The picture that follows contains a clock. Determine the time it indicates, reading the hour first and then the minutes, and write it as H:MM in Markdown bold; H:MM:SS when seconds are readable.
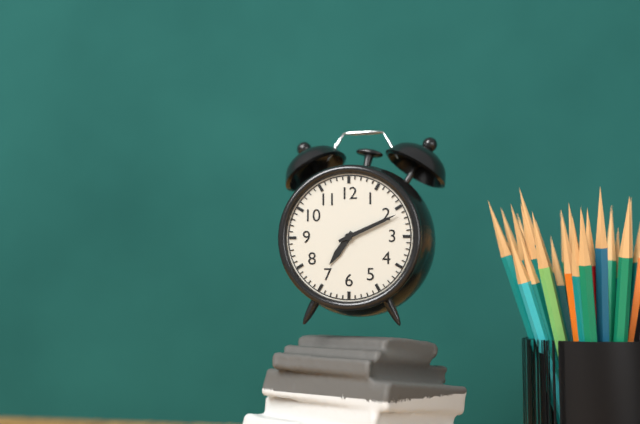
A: **7:11**
